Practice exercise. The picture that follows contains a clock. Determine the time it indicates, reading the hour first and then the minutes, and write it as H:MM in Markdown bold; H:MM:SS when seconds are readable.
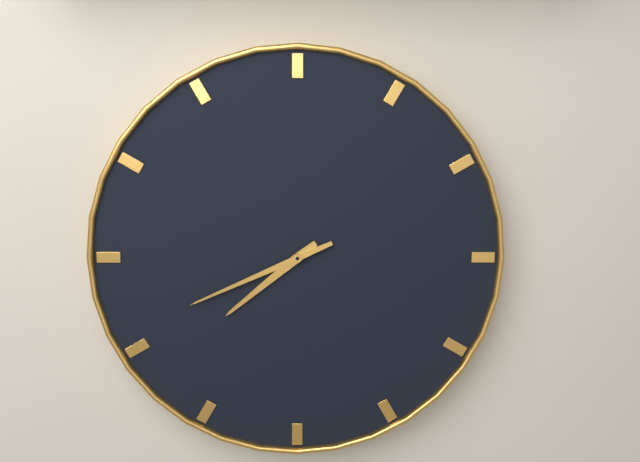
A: **7:41**
